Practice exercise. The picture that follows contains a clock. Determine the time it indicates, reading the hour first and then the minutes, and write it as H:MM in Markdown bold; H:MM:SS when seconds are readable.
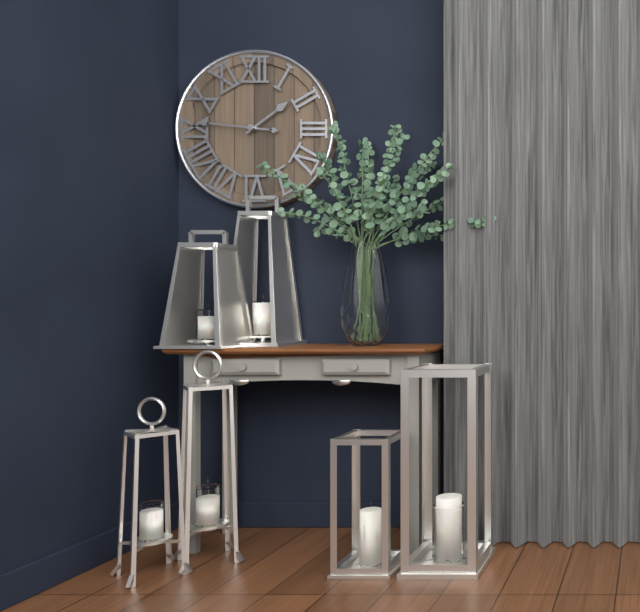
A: **1:46**
